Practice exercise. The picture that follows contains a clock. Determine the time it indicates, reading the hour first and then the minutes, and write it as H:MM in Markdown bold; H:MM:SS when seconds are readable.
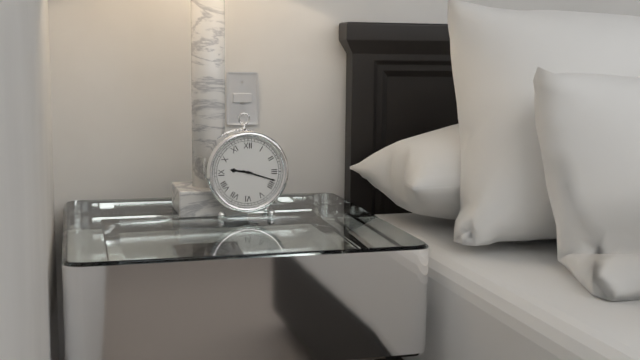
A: **9:18**
